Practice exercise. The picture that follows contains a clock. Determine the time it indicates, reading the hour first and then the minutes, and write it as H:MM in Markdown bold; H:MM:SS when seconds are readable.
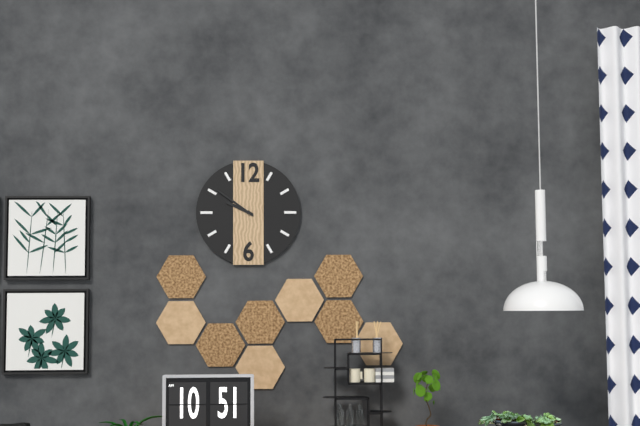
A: **9:51**
